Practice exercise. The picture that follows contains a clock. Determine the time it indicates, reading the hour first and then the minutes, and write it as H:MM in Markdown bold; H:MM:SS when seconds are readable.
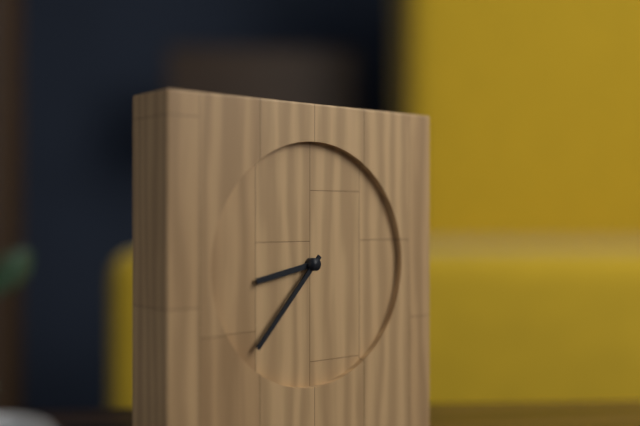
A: **8:37**
